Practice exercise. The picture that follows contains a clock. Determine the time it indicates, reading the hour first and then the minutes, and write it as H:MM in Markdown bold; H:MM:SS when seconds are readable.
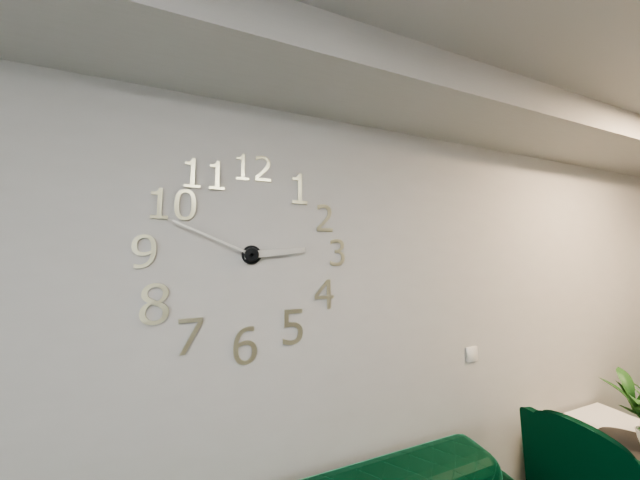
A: **2:49**
